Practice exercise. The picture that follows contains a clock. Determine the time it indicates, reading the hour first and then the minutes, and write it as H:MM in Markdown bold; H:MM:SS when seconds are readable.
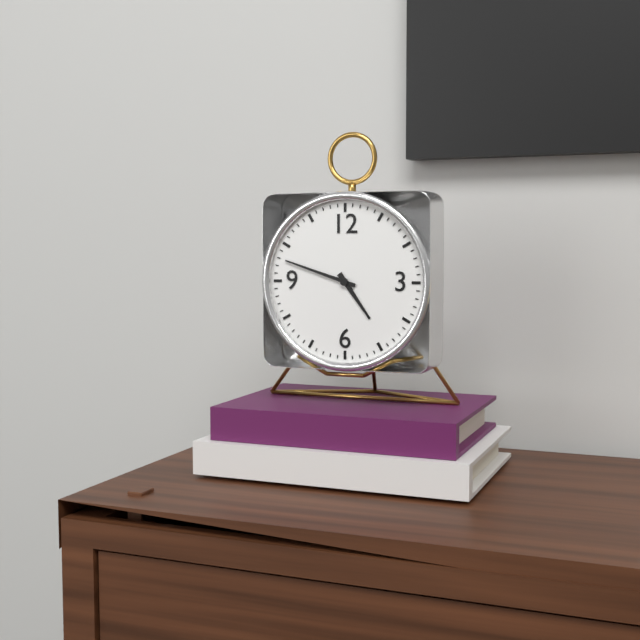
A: **4:48**
